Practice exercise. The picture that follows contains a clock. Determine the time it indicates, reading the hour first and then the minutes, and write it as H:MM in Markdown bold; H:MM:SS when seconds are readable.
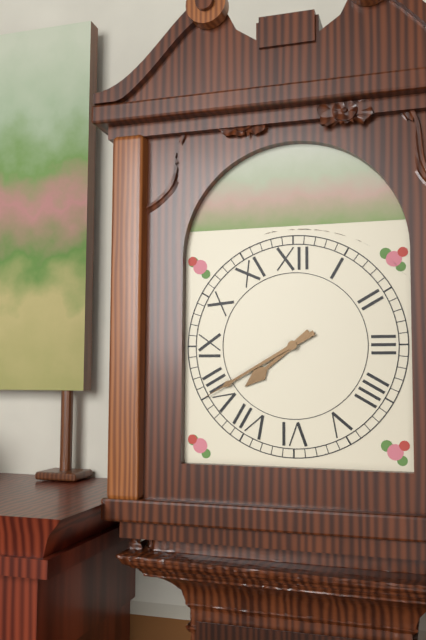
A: **7:40**
